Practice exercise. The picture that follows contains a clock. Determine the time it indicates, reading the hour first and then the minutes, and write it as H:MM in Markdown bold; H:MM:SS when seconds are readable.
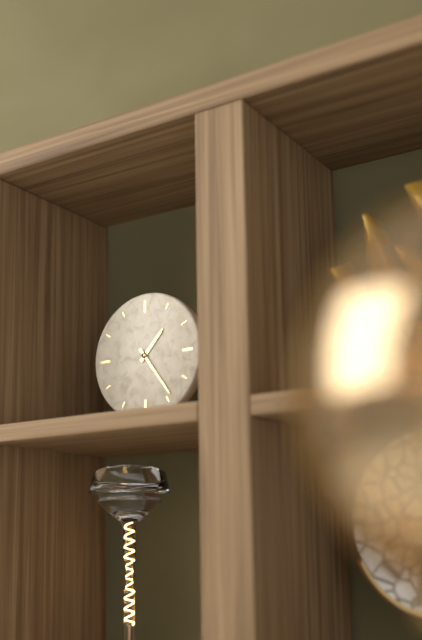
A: **1:24**
